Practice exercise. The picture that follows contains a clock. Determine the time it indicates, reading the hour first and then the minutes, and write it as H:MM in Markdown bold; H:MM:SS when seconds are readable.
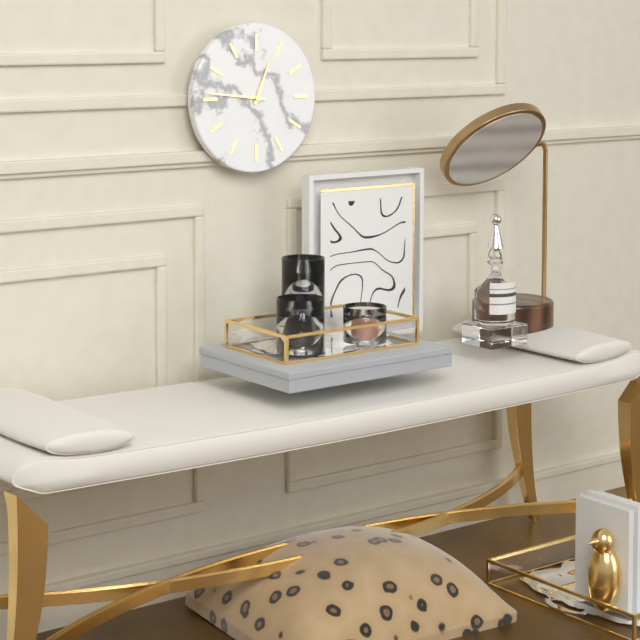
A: **12:46**
